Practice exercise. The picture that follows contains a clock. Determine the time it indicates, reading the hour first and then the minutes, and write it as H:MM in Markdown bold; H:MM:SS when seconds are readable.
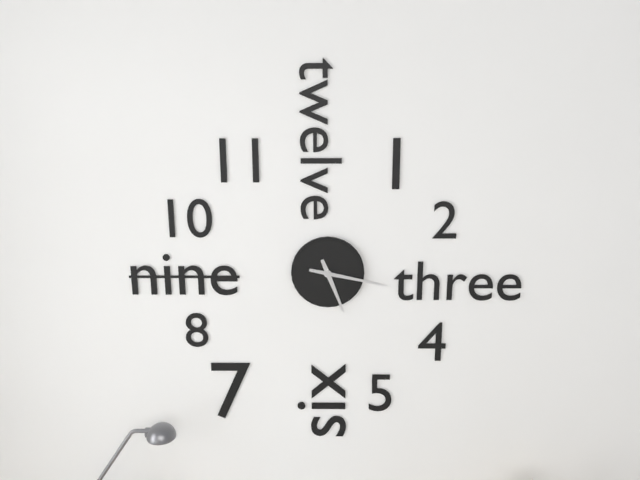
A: **5:17**
